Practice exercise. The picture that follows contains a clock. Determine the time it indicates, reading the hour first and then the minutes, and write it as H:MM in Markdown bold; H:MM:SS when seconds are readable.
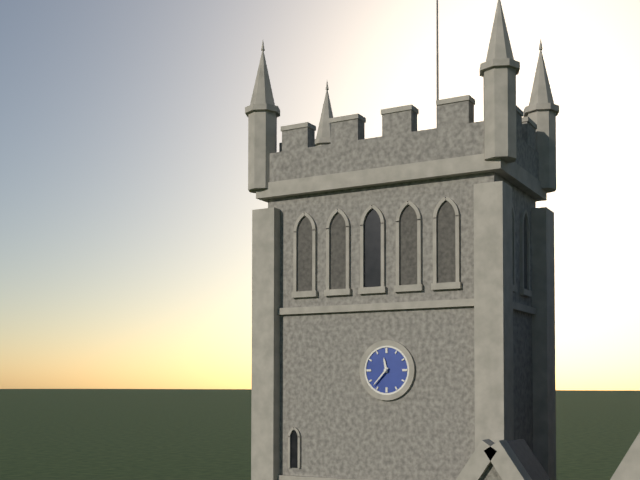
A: **11:37**
